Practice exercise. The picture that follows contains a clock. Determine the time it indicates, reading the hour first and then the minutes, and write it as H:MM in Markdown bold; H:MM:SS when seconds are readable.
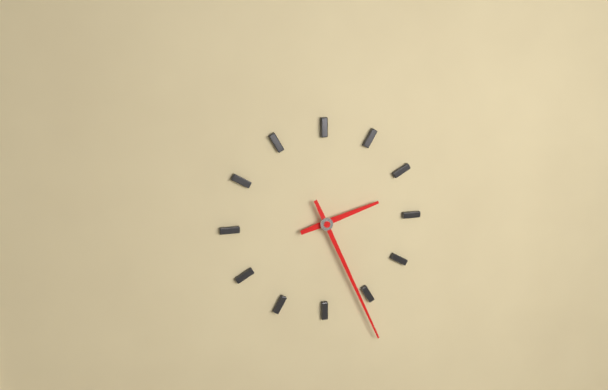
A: **2:26**
